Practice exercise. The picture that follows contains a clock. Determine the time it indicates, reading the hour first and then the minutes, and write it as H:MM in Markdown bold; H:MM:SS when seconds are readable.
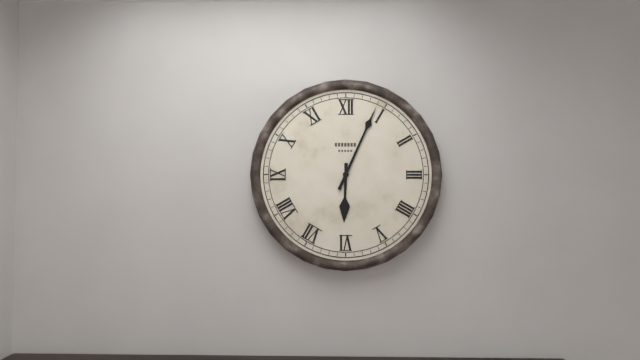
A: **6:04**
